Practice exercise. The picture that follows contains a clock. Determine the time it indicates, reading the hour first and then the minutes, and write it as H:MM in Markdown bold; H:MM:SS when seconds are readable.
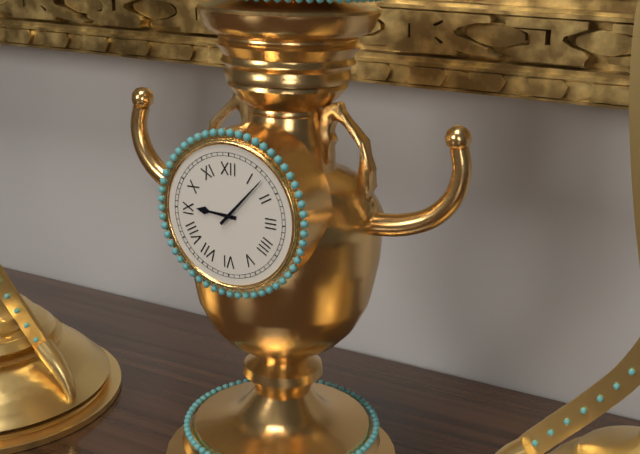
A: **9:07**
